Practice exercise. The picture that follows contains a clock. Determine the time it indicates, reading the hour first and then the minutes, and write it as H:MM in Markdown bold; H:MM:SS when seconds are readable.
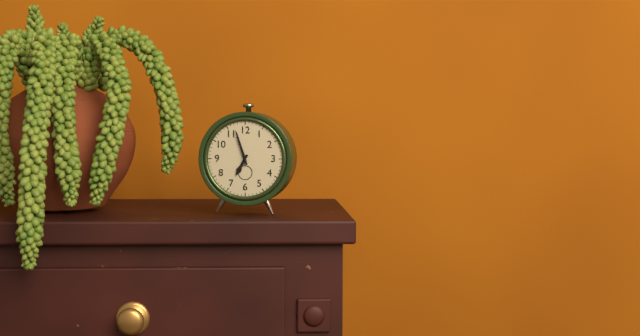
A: **6:57**
